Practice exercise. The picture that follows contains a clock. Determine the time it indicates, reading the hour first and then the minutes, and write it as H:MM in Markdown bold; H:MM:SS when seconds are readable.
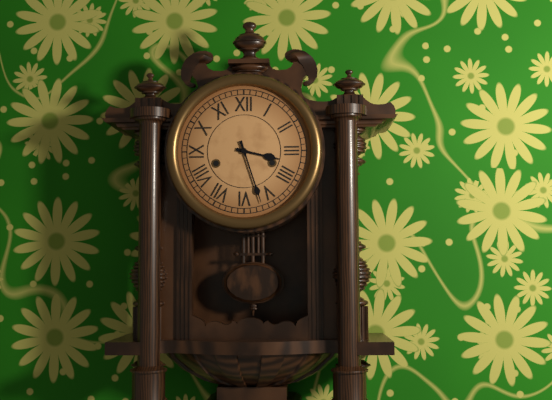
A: **3:27**
